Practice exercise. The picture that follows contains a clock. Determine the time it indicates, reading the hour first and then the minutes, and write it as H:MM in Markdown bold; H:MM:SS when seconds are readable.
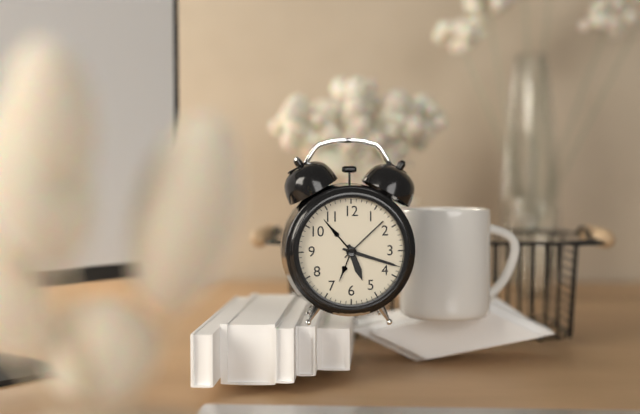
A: **5:18**
